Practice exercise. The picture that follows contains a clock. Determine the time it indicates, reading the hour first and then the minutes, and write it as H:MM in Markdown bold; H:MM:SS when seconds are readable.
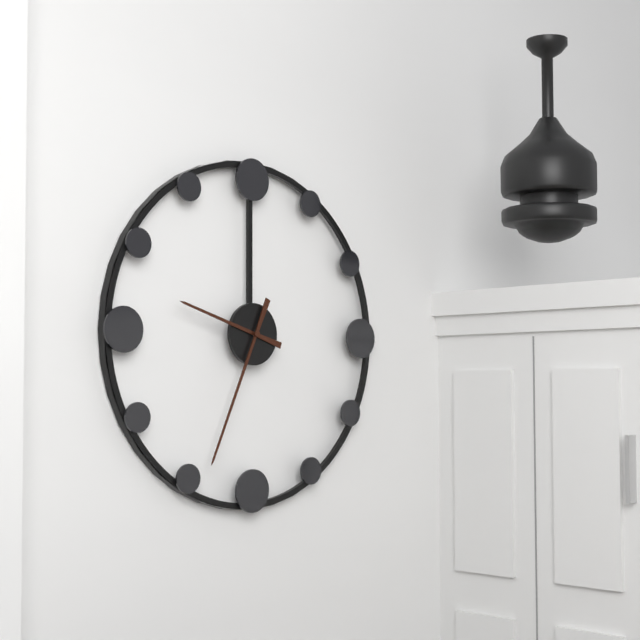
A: **9:34**
